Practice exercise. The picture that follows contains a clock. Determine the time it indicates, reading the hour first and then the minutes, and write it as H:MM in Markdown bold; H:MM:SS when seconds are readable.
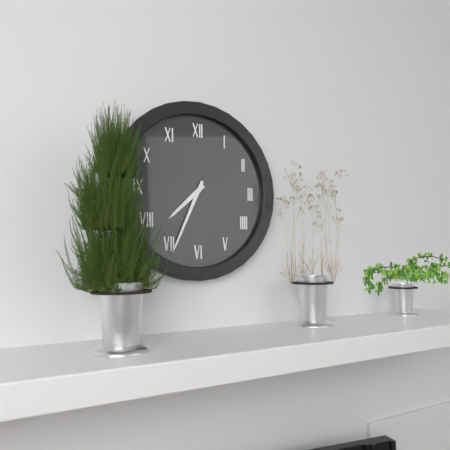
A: **7:34**
